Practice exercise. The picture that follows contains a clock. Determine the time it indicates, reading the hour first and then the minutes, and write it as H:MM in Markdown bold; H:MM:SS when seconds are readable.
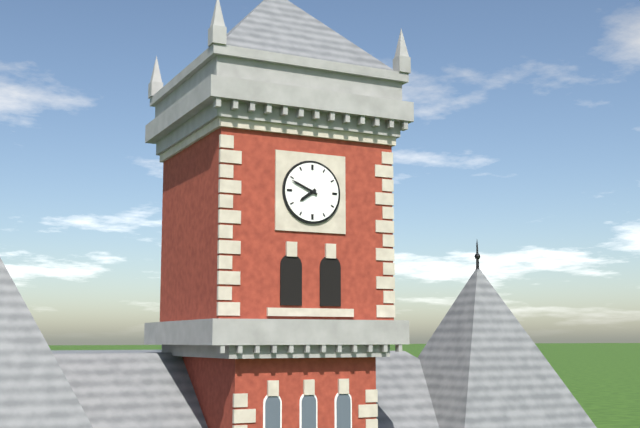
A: **7:49**
